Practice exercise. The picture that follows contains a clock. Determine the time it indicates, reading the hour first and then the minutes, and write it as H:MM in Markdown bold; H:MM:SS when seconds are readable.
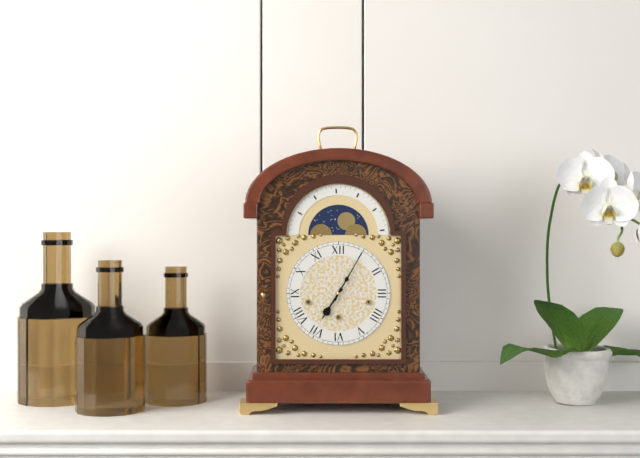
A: **7:05**
